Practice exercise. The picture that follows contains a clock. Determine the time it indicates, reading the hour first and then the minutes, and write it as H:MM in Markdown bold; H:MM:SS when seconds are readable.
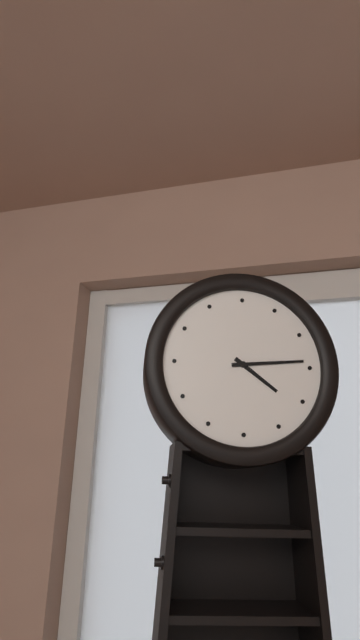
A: **4:14**
